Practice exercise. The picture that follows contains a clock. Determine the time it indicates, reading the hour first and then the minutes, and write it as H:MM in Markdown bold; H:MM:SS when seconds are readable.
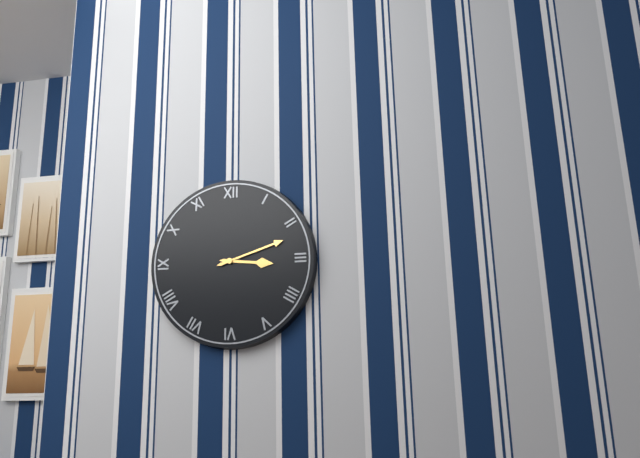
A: **3:12**
